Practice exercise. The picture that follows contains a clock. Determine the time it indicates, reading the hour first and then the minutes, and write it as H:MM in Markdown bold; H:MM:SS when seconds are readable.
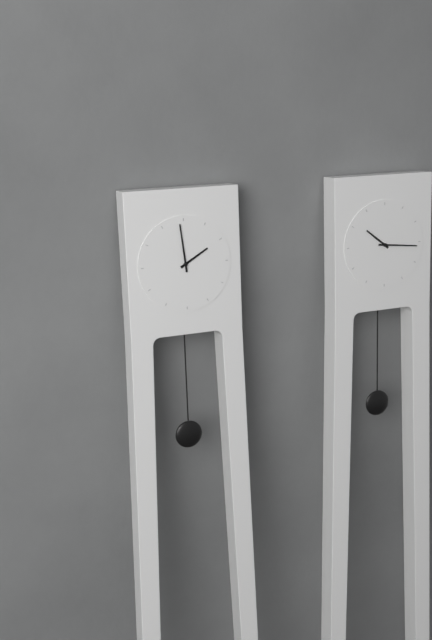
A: **1:59**
